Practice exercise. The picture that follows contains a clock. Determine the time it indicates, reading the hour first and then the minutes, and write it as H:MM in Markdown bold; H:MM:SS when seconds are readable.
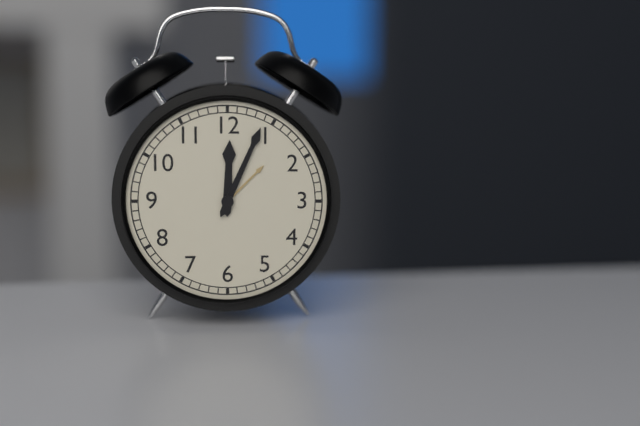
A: **12:04**
